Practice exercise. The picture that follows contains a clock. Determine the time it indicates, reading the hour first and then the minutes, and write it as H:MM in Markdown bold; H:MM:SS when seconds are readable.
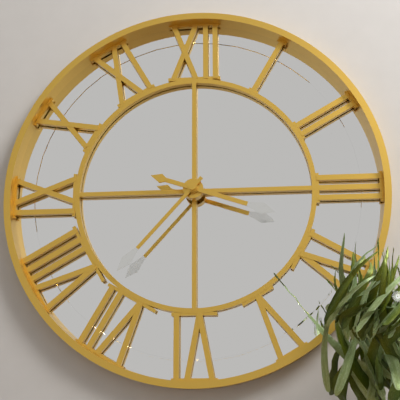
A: **3:37**
